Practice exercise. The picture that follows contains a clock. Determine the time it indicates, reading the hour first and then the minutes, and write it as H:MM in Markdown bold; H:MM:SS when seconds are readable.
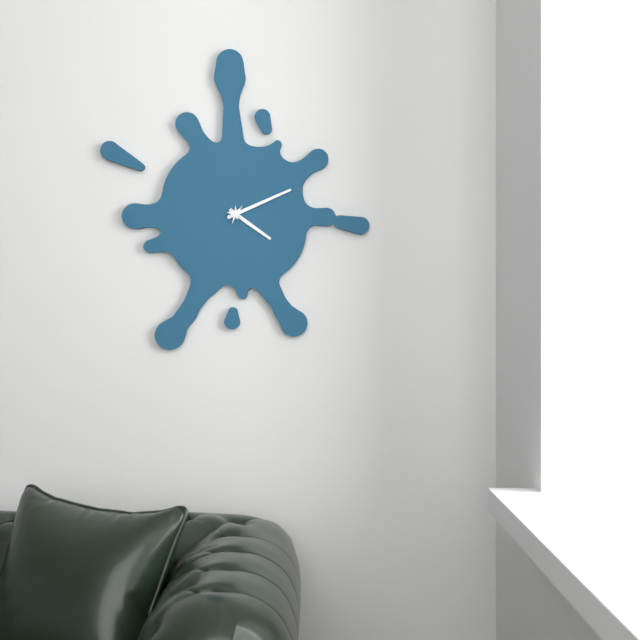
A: **4:11**
